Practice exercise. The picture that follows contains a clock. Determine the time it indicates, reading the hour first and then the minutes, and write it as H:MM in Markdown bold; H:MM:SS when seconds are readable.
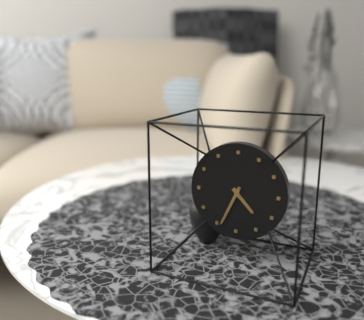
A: **4:34**
